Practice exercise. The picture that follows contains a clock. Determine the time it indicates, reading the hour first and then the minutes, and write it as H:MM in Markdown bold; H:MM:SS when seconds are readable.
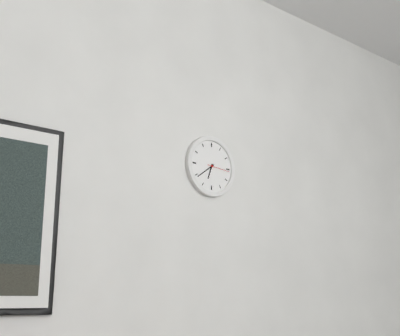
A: **6:39**
